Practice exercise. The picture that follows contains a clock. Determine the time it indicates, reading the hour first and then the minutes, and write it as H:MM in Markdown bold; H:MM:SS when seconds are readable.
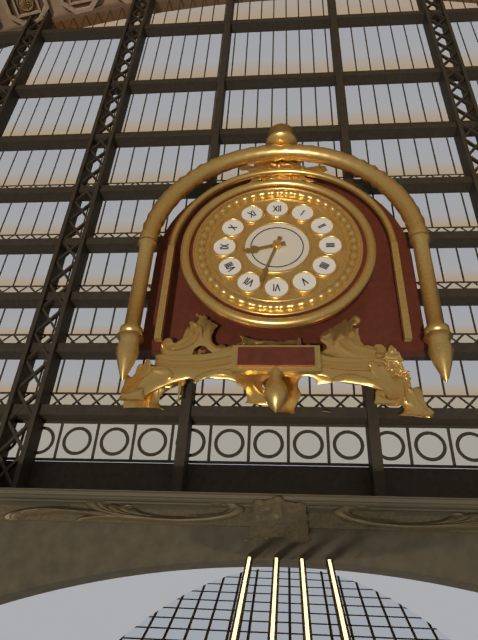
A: **8:33**
